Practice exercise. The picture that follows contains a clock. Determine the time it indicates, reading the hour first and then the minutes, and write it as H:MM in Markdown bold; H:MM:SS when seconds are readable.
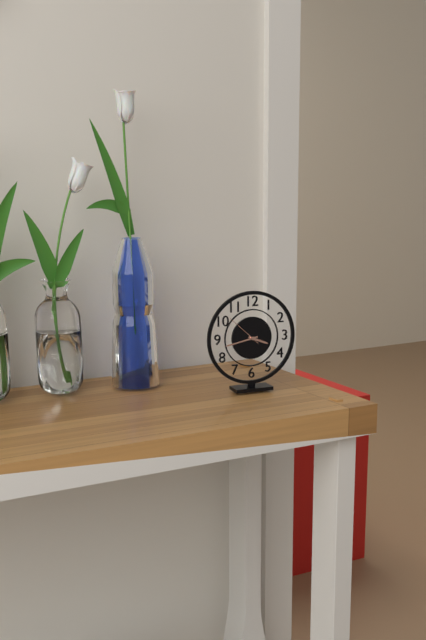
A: **3:43**
